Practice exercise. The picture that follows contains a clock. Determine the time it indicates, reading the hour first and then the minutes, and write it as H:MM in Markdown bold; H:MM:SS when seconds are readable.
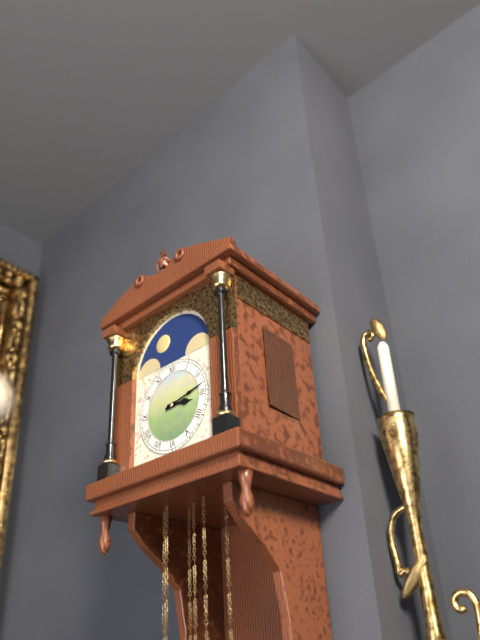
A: **3:13**
